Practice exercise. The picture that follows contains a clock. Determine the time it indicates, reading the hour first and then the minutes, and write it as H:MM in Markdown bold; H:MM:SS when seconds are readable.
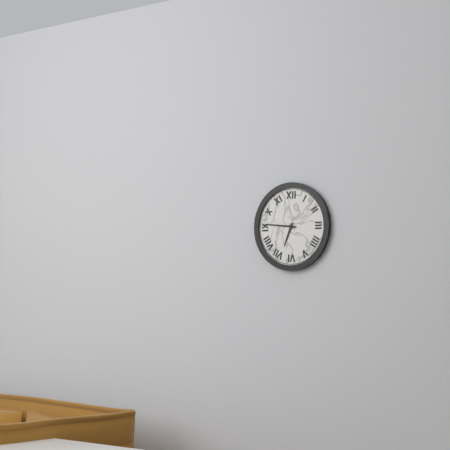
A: **6:46**
